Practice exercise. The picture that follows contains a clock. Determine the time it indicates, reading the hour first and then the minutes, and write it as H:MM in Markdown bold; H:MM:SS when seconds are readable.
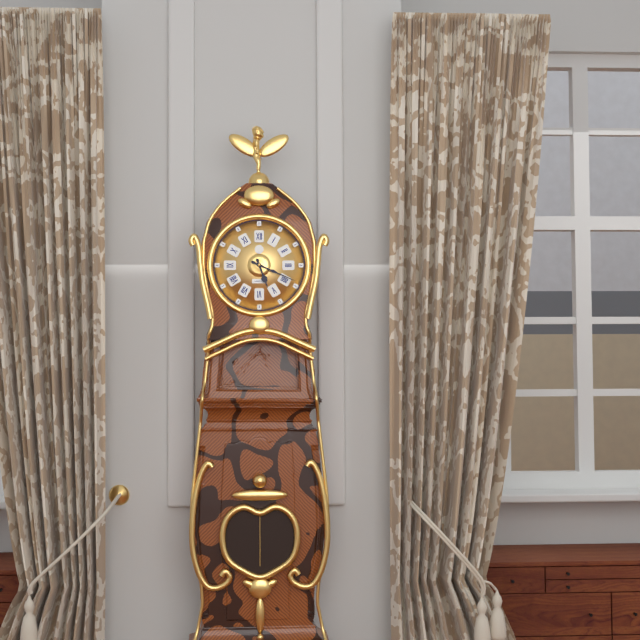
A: **5:19**
